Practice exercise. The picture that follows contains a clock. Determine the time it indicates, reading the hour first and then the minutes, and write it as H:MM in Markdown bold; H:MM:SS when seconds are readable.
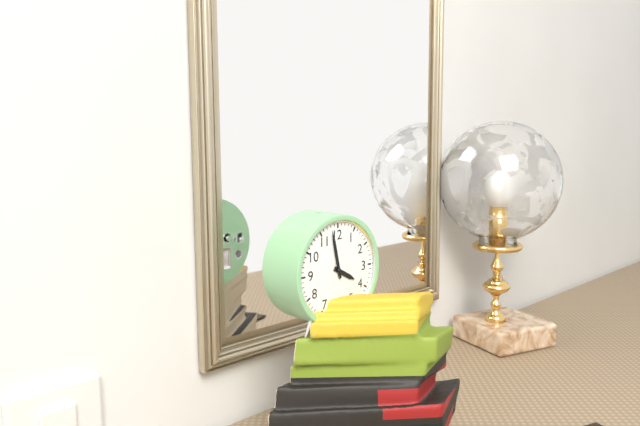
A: **3:58**
